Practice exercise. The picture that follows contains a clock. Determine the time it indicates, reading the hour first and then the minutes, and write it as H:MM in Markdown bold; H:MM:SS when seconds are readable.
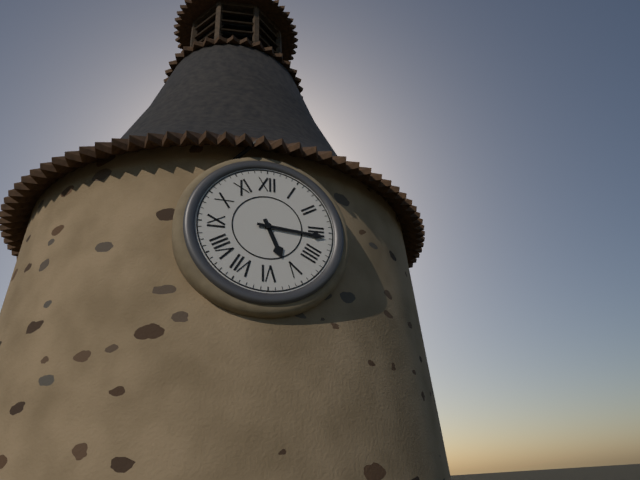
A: **5:16**
